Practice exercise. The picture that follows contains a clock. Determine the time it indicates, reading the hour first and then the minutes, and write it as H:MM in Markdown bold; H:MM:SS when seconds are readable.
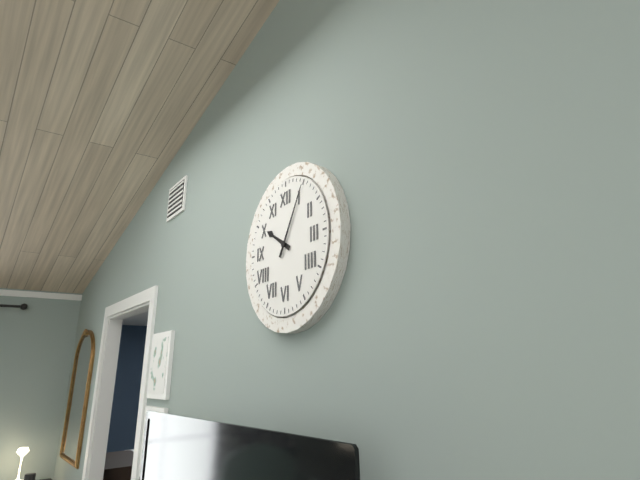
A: **10:05**
